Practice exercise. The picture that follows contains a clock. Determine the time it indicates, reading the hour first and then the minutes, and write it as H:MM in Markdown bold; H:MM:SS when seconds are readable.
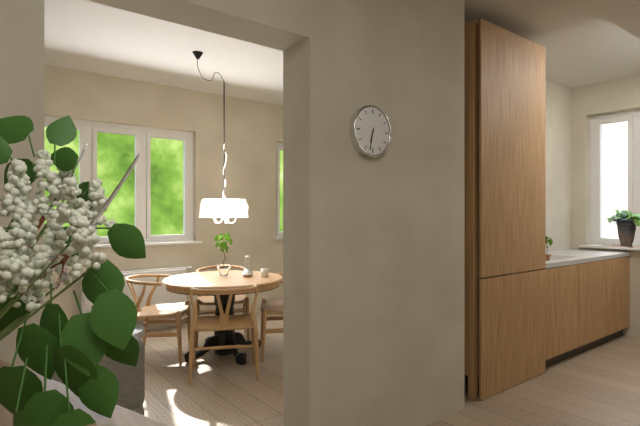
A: **6:32**
